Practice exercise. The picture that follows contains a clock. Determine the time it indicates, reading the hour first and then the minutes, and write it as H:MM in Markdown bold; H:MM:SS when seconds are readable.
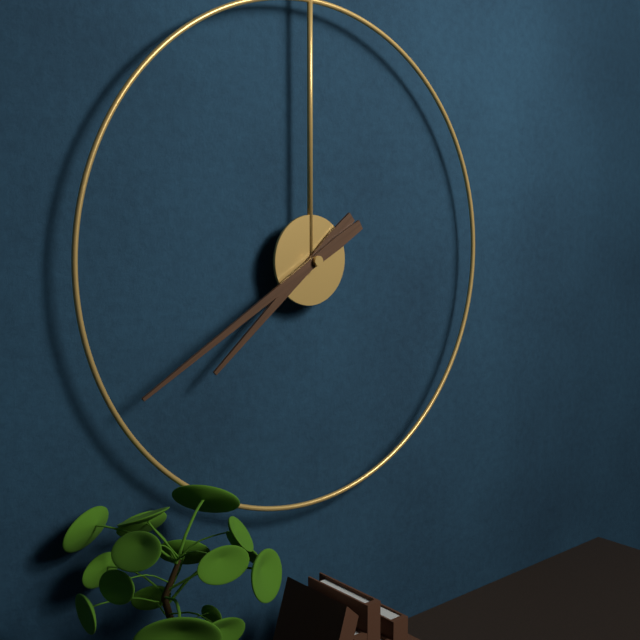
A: **7:40**
